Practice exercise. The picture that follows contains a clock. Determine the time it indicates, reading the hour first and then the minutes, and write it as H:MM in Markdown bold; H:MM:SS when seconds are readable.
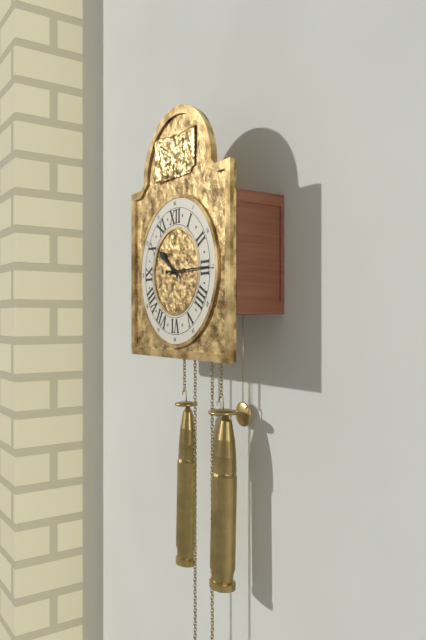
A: **10:15**
